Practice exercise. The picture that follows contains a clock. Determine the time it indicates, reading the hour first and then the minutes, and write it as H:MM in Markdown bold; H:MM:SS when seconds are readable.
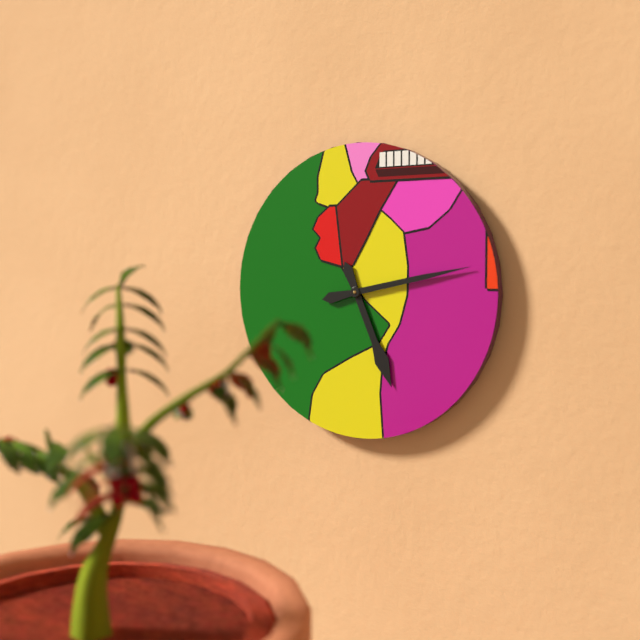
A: **5:13**
